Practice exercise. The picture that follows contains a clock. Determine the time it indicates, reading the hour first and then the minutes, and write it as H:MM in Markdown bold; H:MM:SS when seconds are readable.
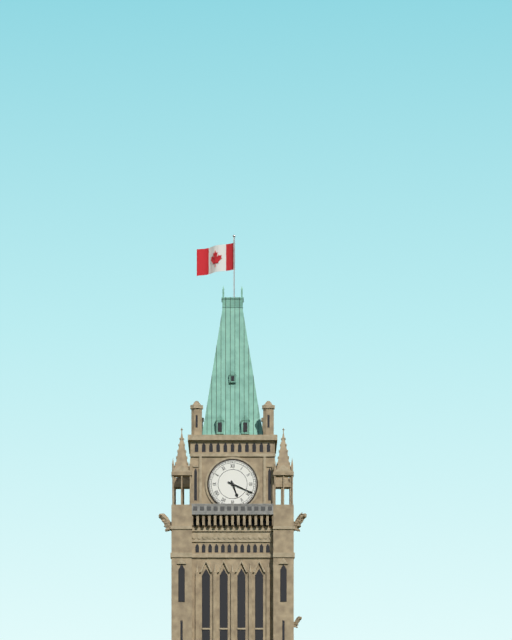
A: **5:19**
